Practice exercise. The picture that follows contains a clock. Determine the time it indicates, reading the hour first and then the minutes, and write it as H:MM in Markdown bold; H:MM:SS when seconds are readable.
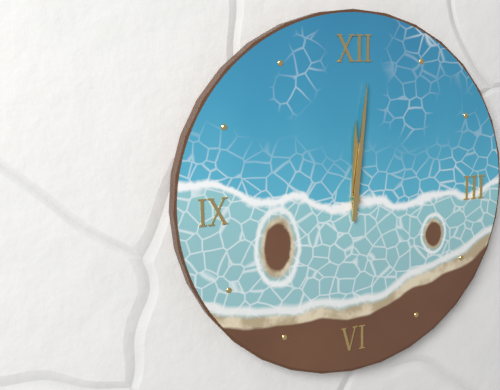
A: **12:01**
